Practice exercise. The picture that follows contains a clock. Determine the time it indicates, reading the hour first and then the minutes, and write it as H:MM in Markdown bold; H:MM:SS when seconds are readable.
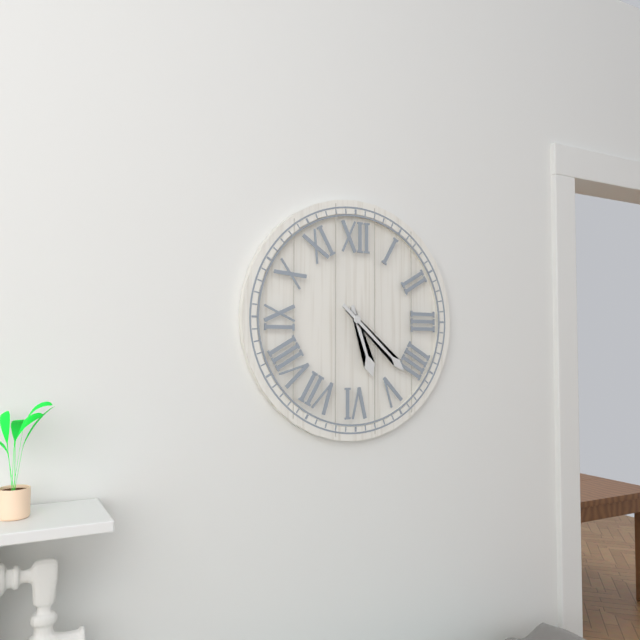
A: **5:22**
